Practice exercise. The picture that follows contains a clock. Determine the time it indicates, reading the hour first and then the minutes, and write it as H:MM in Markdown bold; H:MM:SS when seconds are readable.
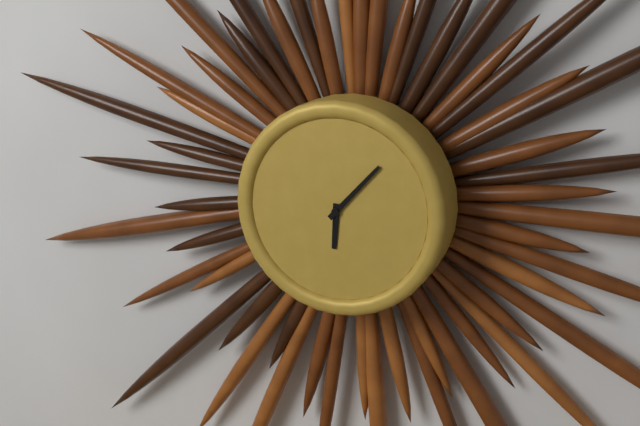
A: **6:07**
